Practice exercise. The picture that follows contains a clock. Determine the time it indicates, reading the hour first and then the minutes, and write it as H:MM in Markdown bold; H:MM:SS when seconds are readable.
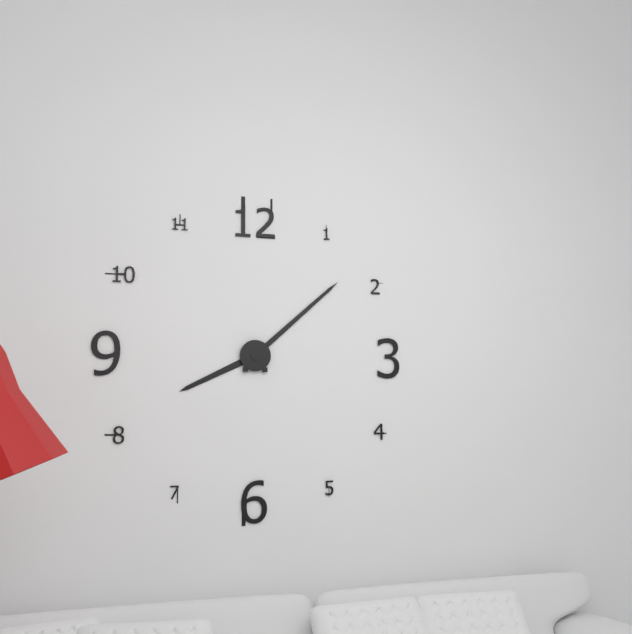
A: **8:08**
